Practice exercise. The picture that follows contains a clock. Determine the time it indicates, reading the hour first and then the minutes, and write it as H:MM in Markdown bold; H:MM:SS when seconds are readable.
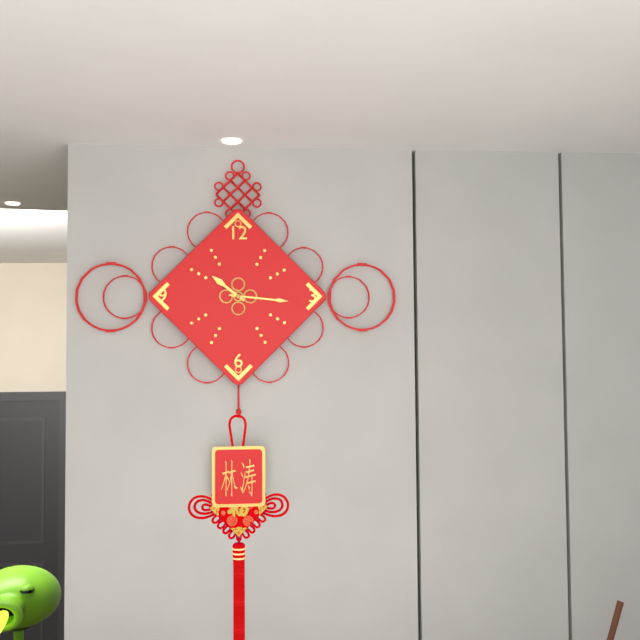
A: **10:16**
